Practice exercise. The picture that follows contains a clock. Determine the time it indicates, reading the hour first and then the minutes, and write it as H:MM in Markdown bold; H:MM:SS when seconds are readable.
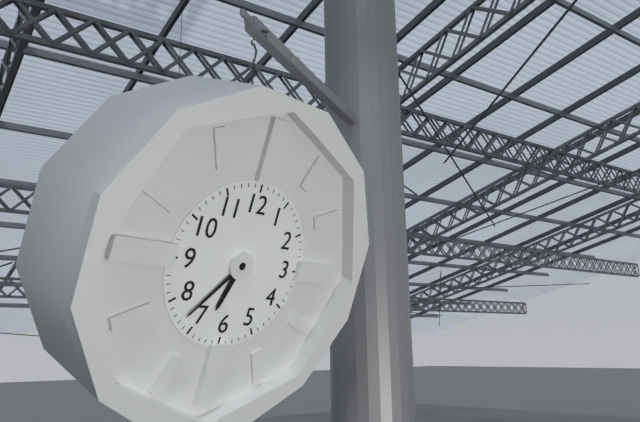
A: **6:37**
